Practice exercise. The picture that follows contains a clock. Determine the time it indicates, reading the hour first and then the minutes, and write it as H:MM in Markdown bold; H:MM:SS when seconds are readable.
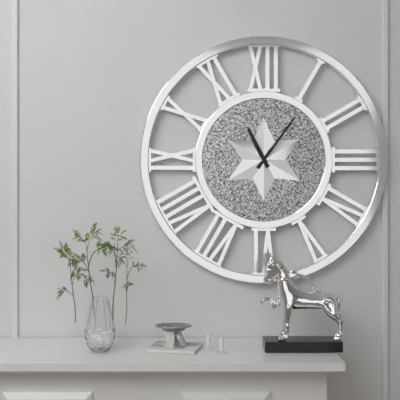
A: **11:06**
